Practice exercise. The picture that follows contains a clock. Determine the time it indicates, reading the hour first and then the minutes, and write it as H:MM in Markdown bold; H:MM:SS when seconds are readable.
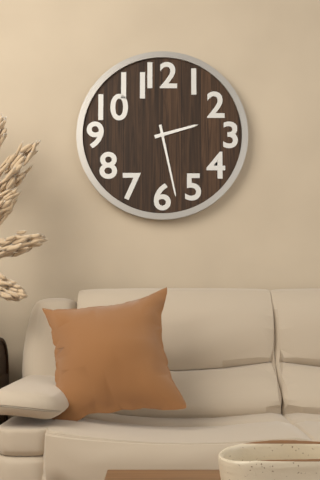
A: **2:28**
